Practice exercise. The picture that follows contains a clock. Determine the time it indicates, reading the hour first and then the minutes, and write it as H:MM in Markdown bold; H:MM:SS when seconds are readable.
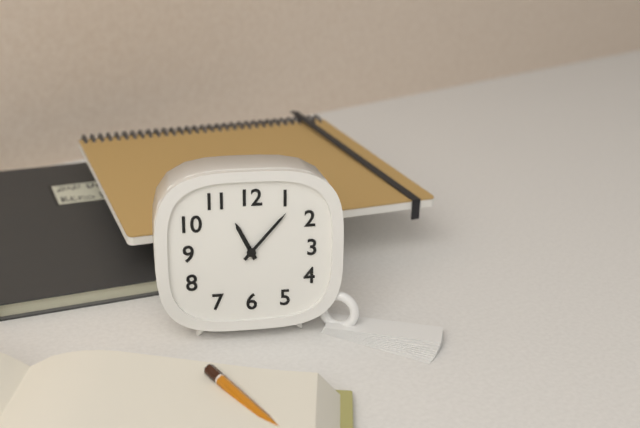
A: **11:07**
